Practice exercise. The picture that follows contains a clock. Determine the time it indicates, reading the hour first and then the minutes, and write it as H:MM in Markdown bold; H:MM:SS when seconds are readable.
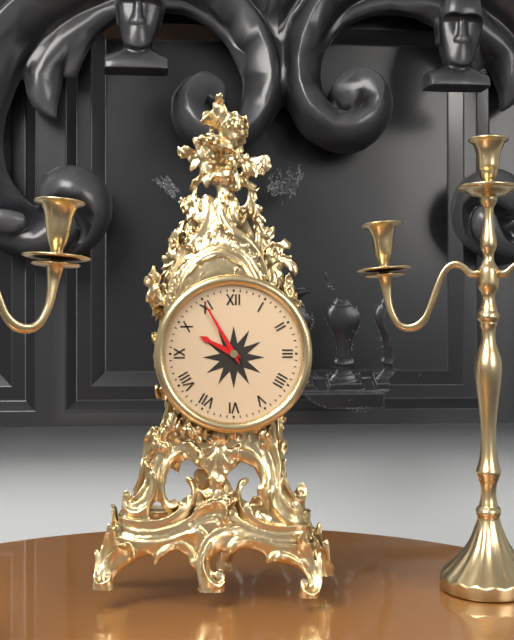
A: **9:55**
